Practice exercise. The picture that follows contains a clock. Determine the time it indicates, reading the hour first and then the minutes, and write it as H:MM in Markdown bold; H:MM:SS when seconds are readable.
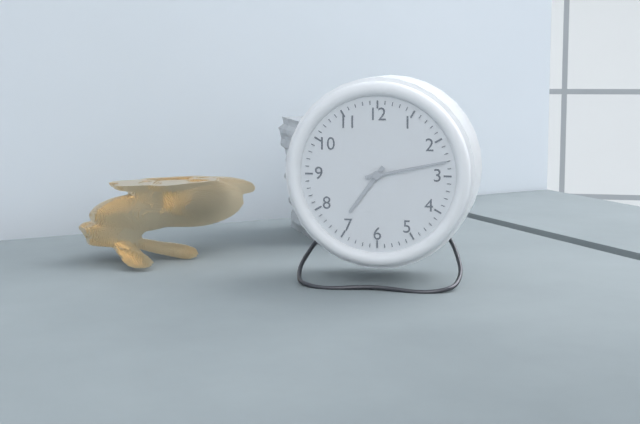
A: **7:13**
